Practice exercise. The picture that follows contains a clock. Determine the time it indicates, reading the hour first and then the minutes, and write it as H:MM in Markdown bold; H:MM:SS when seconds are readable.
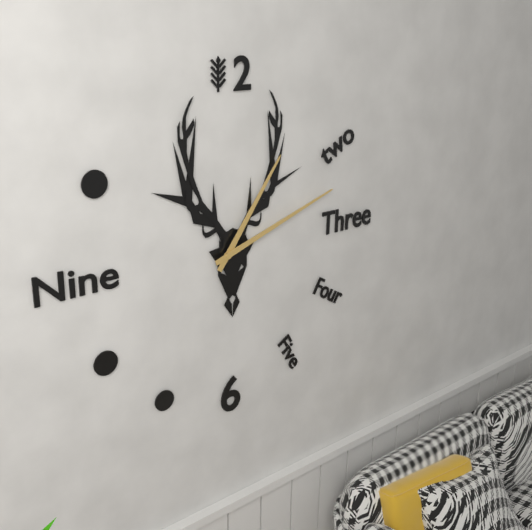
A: **1:12**
